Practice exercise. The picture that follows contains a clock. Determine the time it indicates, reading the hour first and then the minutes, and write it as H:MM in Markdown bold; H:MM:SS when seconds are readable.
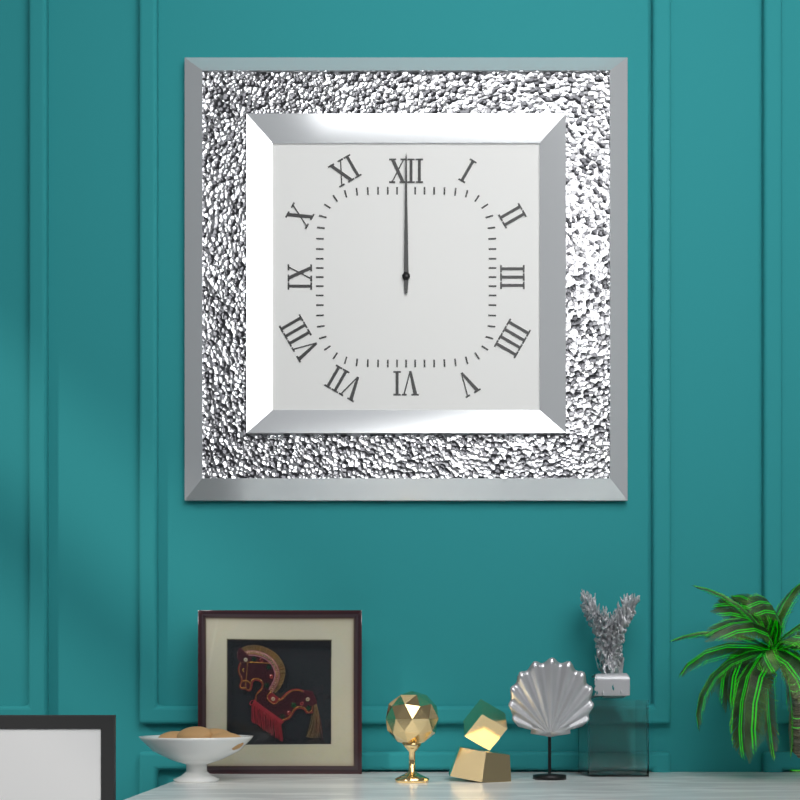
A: **12:00**
